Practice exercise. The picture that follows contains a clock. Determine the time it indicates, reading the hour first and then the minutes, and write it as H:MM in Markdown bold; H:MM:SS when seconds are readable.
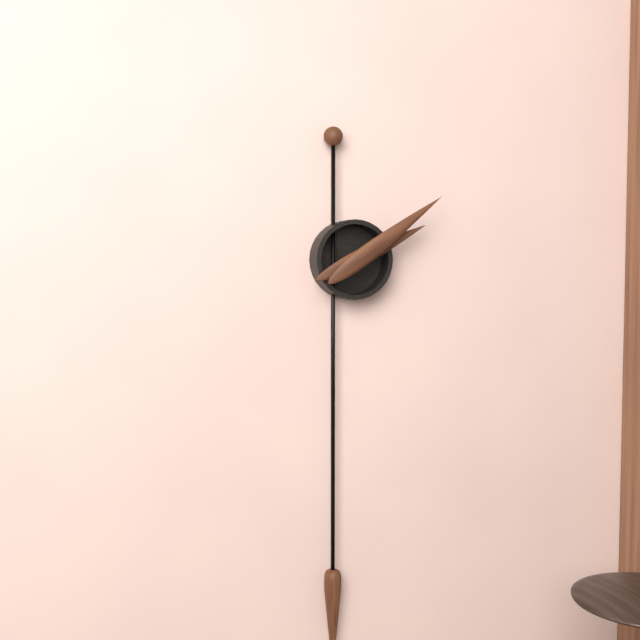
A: **2:09**
